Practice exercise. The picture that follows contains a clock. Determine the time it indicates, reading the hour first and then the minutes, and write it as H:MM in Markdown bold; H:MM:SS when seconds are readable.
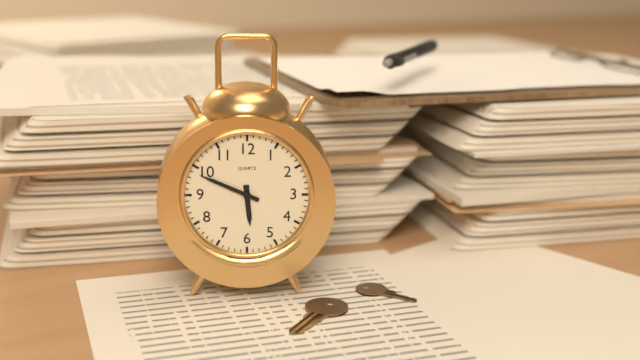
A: **5:49**
